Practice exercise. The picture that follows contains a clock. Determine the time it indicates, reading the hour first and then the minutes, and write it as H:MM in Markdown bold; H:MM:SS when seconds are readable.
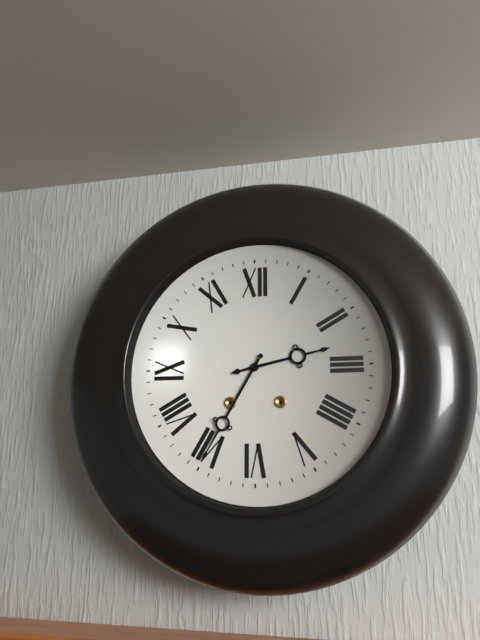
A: **2:35**
